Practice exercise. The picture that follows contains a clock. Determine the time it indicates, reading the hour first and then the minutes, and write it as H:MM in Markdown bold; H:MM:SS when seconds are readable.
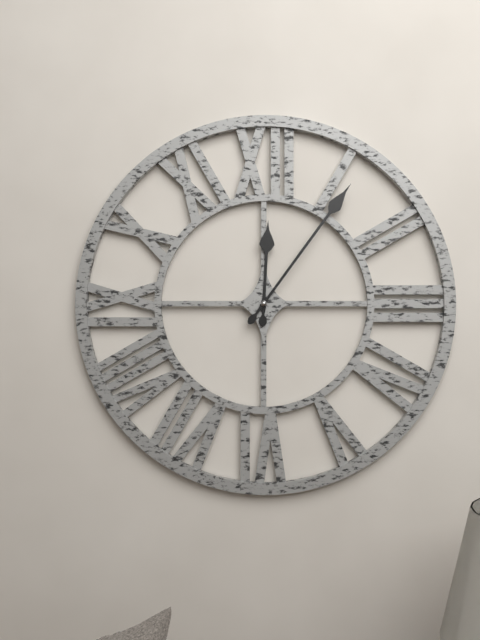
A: **12:06**
